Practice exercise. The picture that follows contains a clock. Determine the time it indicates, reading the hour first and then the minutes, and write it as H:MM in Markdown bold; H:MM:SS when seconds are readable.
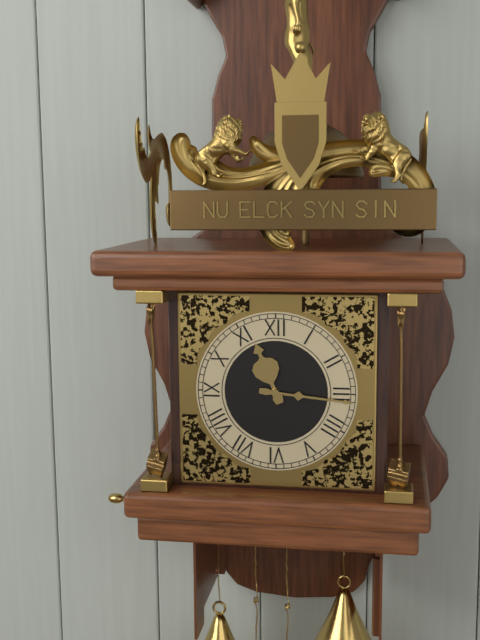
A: **11:16**
